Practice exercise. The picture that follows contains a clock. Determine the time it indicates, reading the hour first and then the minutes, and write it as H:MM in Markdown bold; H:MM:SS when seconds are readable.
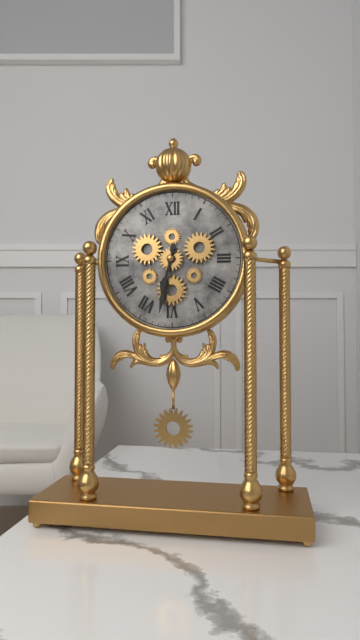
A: **6:32**
